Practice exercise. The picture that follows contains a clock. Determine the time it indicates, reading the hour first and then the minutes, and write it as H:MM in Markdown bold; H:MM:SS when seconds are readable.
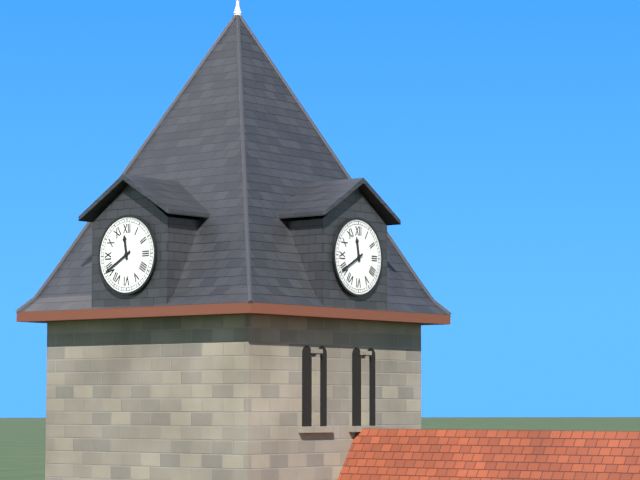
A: **11:40**
